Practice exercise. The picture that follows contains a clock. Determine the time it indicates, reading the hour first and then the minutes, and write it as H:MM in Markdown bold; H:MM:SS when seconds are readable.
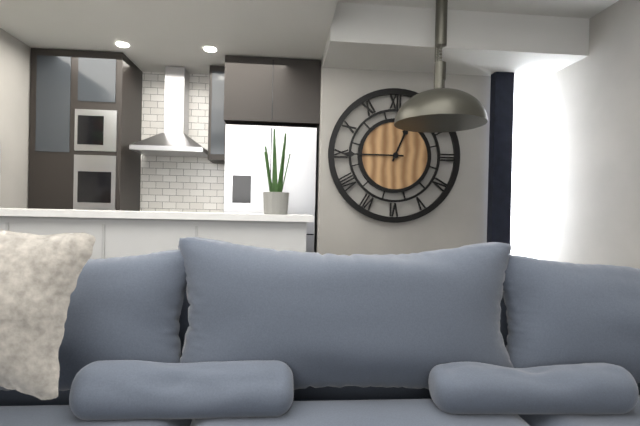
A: **12:45**
